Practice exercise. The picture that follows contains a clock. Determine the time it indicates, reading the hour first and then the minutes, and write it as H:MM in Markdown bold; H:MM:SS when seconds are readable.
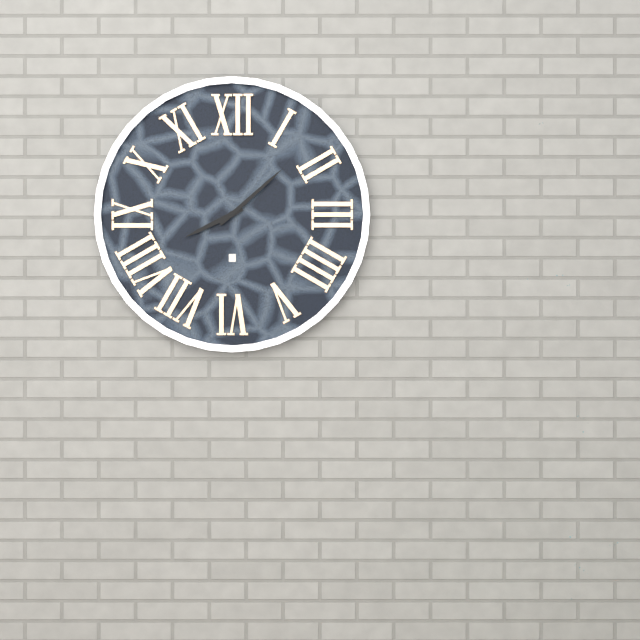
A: **8:08**
